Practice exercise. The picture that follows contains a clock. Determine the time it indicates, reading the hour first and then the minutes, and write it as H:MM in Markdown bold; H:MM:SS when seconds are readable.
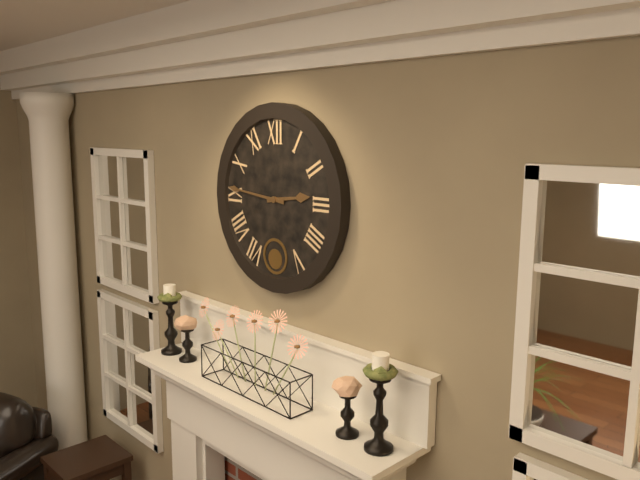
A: **2:46**
